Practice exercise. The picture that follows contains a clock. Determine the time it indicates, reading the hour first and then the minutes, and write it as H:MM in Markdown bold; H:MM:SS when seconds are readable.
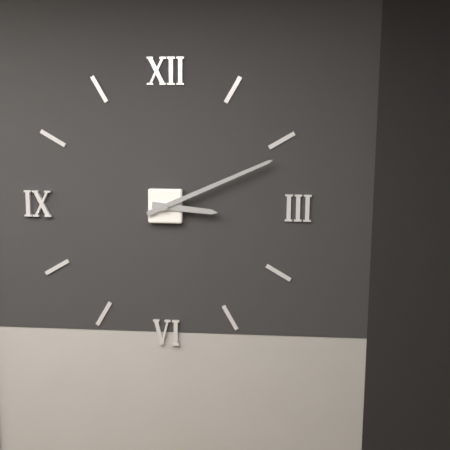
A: **3:11**
